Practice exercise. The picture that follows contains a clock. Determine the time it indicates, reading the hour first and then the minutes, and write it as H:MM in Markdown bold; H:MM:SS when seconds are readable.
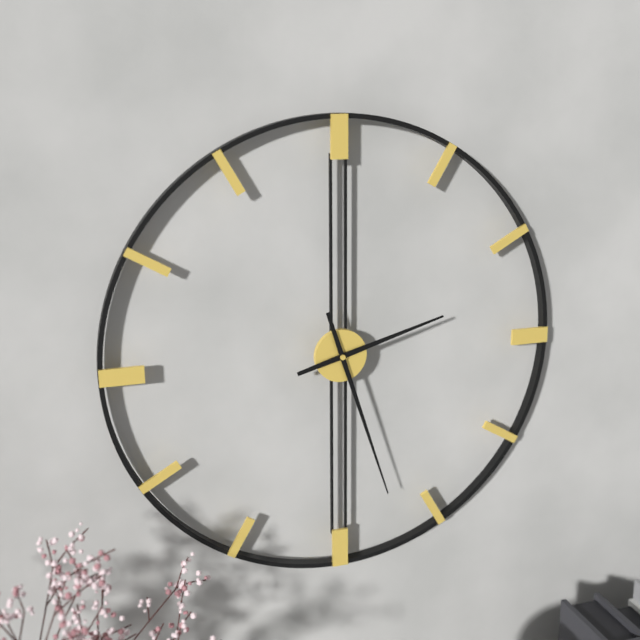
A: **2:27**
